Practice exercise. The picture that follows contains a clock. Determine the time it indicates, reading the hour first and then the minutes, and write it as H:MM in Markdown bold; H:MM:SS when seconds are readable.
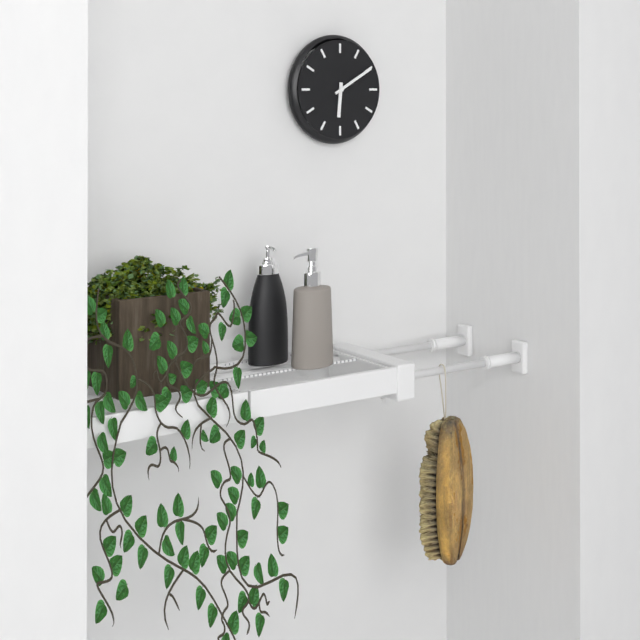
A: **6:10**
